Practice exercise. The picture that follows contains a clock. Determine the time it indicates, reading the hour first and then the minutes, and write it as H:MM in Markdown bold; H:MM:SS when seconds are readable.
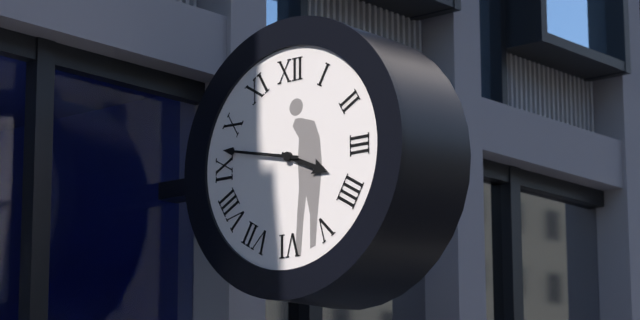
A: **3:47**
